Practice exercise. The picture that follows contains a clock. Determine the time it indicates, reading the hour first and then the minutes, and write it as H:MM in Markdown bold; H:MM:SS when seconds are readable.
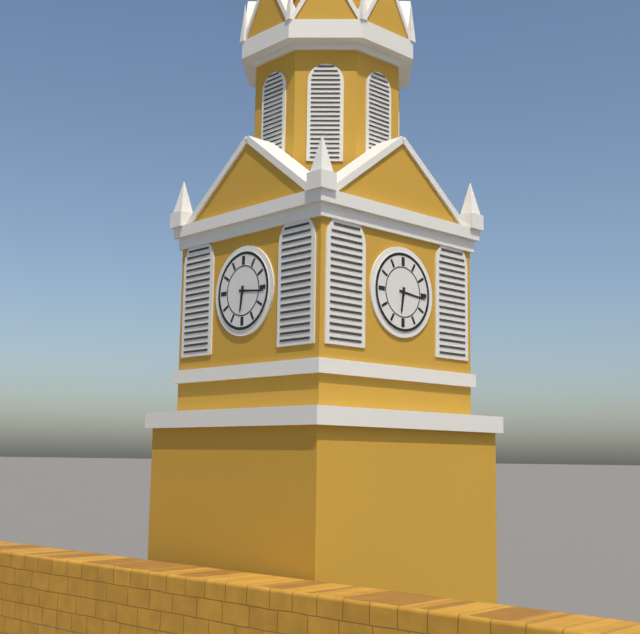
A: **6:16**
